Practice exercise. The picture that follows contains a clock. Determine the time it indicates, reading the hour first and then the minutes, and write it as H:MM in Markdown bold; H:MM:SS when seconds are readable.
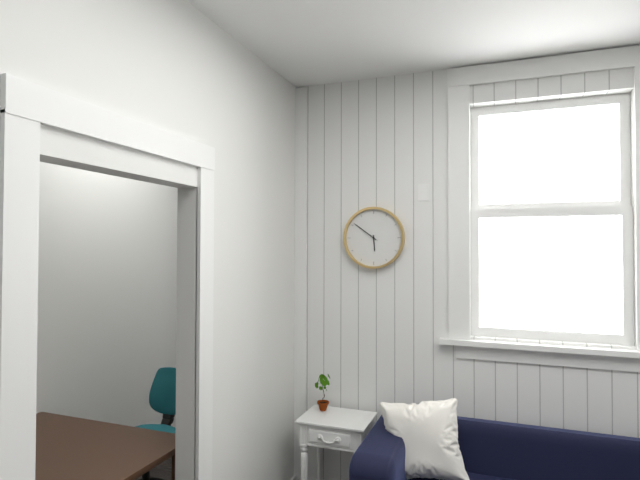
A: **5:51**
